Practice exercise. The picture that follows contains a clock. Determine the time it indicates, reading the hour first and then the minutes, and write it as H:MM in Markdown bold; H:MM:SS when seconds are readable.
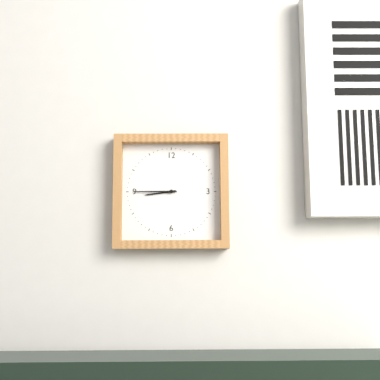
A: **8:45**
